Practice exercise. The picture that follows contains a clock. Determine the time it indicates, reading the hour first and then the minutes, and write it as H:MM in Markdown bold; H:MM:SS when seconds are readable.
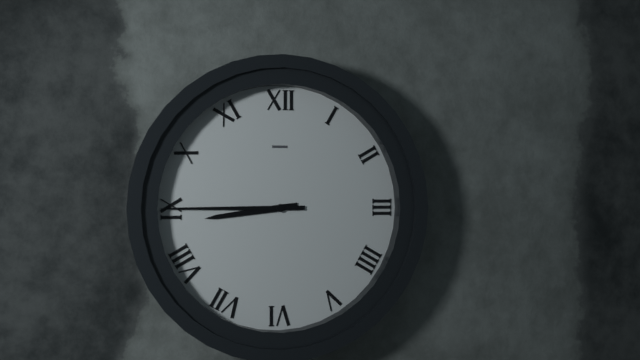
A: **8:45**
